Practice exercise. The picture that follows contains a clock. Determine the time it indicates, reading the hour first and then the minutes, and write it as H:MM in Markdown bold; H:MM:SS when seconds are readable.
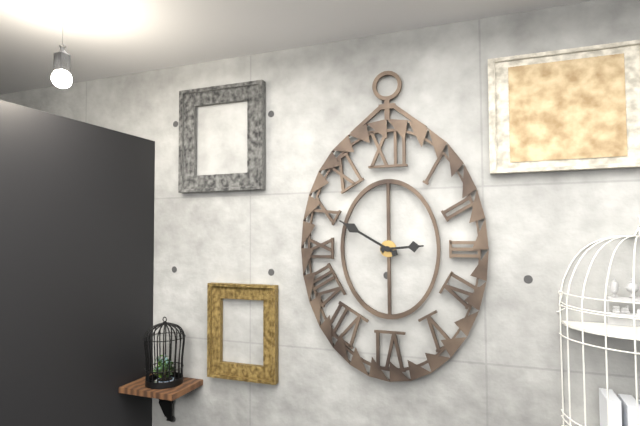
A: **2:50**
